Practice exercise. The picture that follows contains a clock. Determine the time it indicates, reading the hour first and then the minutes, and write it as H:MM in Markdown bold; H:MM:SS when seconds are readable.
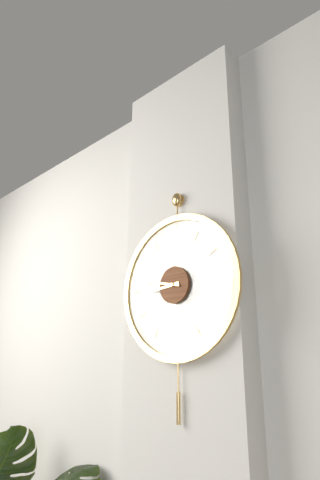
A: **8:47**
